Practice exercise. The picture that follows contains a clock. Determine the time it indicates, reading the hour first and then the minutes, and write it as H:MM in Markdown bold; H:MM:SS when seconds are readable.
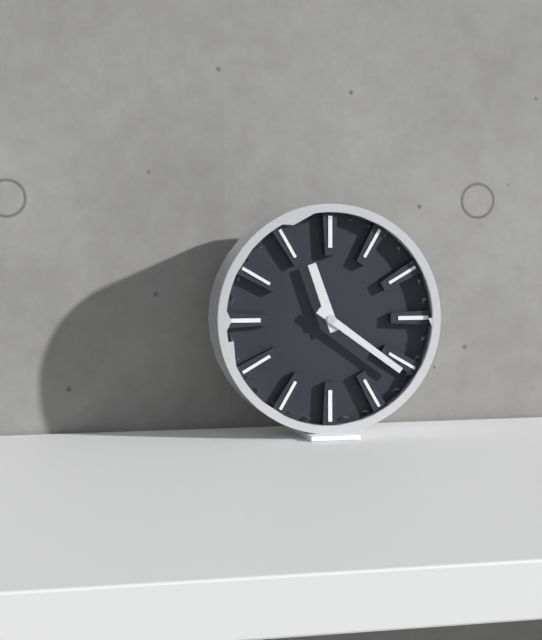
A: **11:21**
